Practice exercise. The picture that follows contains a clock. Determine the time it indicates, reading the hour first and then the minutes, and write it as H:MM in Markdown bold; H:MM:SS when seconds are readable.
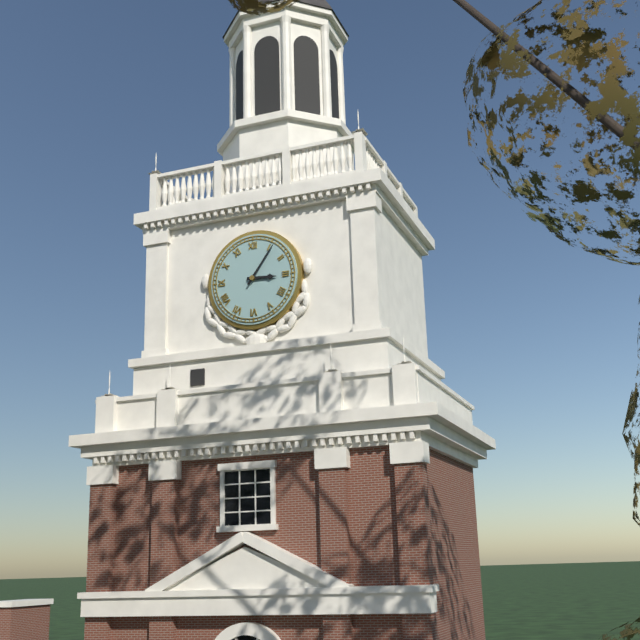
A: **3:06**
